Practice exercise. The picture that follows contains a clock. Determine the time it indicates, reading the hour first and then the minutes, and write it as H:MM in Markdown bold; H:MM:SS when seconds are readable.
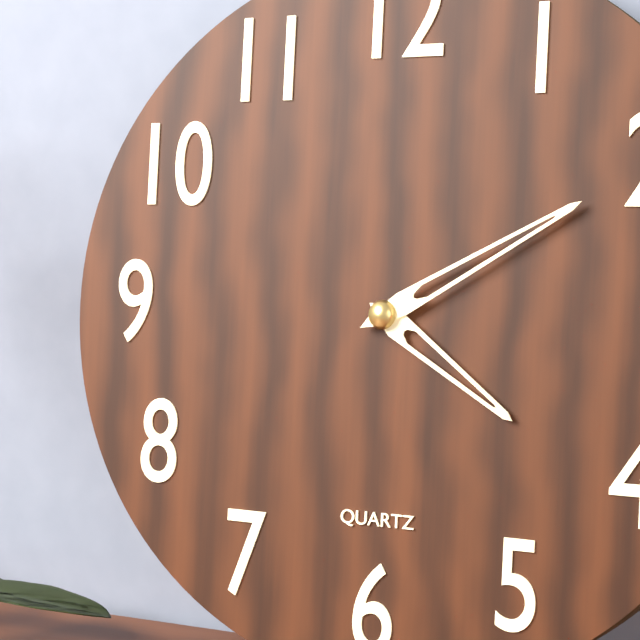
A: **4:10**
